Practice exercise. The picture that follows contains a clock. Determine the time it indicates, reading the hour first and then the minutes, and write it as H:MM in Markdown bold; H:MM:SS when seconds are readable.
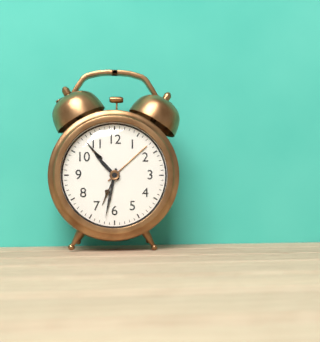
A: **10:32**
